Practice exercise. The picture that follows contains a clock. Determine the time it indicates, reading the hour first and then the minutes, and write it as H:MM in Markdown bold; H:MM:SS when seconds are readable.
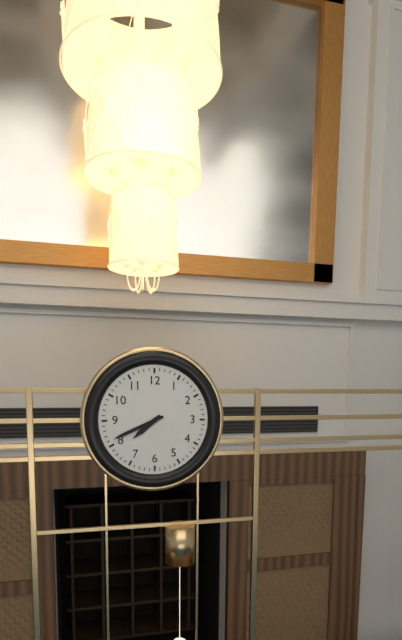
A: **7:41**
